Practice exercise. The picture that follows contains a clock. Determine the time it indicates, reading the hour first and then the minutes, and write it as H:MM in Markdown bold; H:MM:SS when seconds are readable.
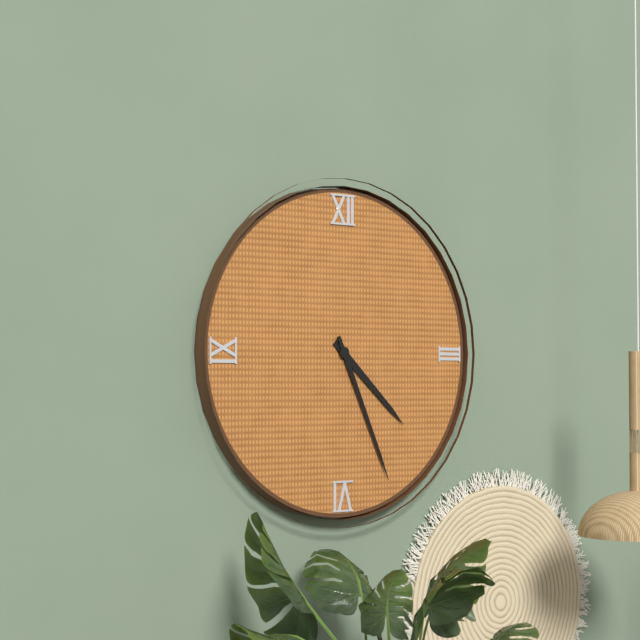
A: **4:26**
